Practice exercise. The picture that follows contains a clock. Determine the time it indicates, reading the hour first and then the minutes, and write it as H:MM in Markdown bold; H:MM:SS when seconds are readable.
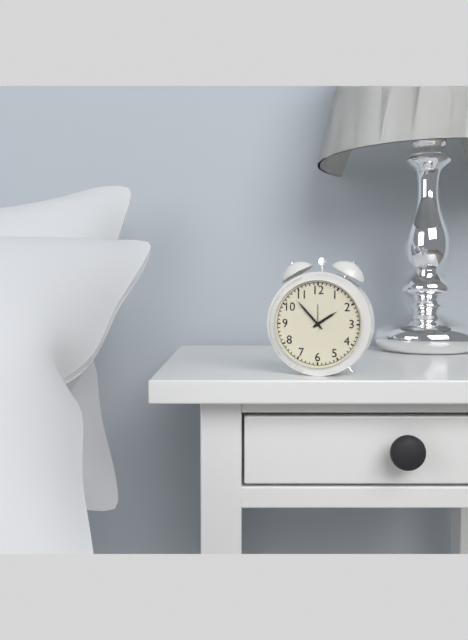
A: **1:53**
